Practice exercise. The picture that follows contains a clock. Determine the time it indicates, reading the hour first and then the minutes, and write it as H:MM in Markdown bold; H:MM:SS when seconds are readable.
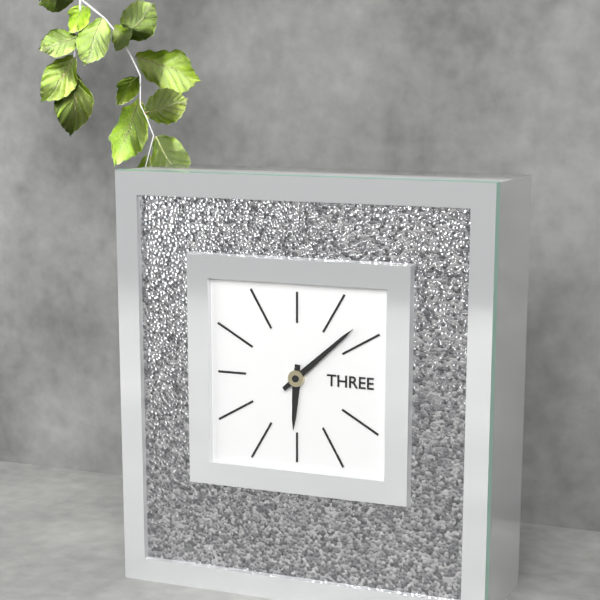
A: **6:08**
